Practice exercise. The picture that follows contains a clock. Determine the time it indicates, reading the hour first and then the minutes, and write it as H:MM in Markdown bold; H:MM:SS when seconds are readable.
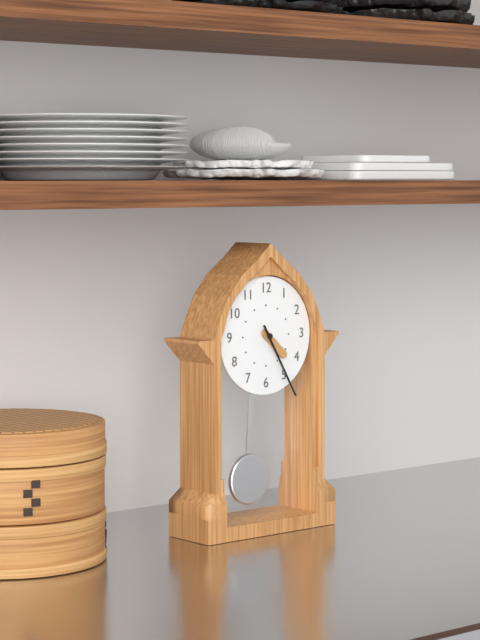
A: **4:25**
